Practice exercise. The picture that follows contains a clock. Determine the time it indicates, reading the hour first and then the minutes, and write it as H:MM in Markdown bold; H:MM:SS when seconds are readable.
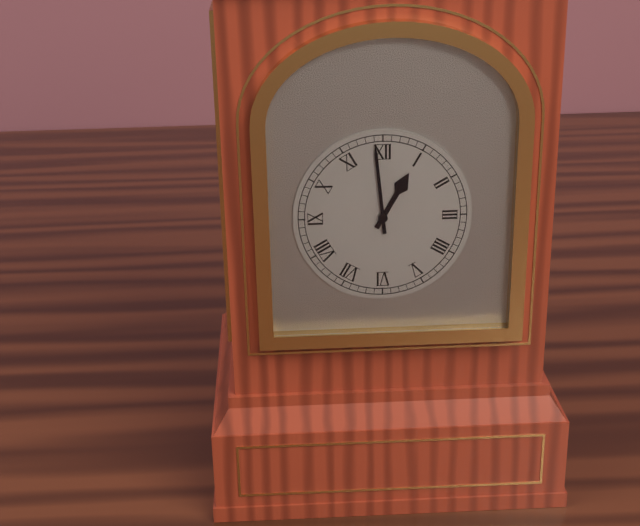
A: **12:59**
